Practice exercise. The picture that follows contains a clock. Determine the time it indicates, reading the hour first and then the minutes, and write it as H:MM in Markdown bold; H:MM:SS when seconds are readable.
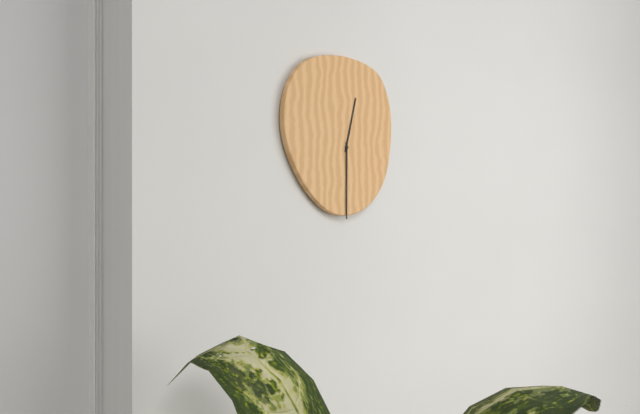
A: **12:30**
